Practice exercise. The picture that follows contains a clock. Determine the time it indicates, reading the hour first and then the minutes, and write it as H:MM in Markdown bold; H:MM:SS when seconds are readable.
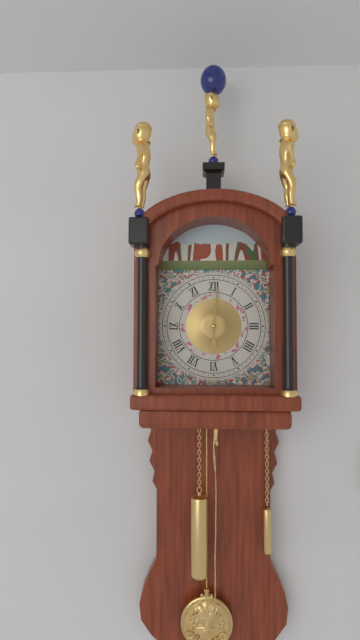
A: **6:01**
